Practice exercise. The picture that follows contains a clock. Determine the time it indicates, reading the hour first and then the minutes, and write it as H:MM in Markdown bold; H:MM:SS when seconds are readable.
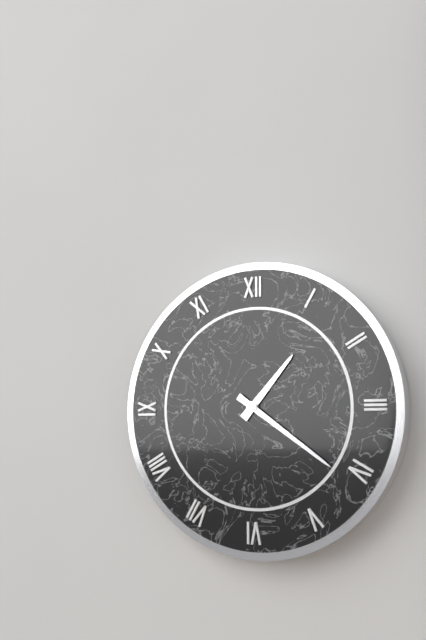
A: **1:21**
